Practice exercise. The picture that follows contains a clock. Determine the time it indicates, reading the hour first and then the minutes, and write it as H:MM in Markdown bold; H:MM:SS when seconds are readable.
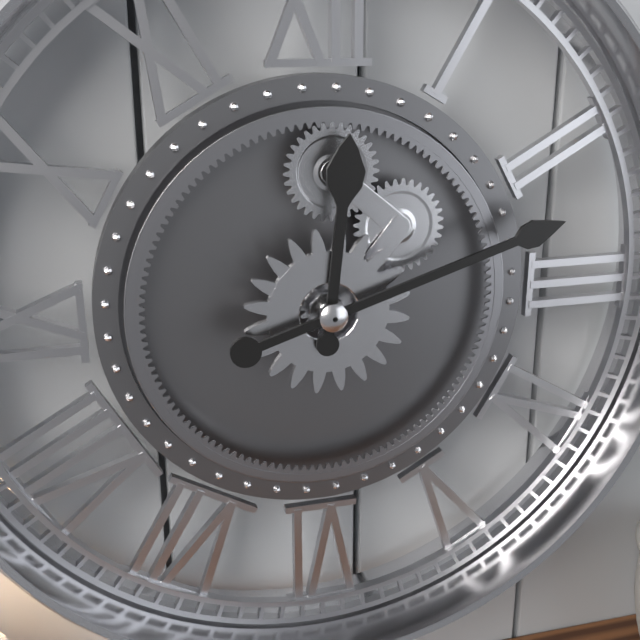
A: **12:12**
